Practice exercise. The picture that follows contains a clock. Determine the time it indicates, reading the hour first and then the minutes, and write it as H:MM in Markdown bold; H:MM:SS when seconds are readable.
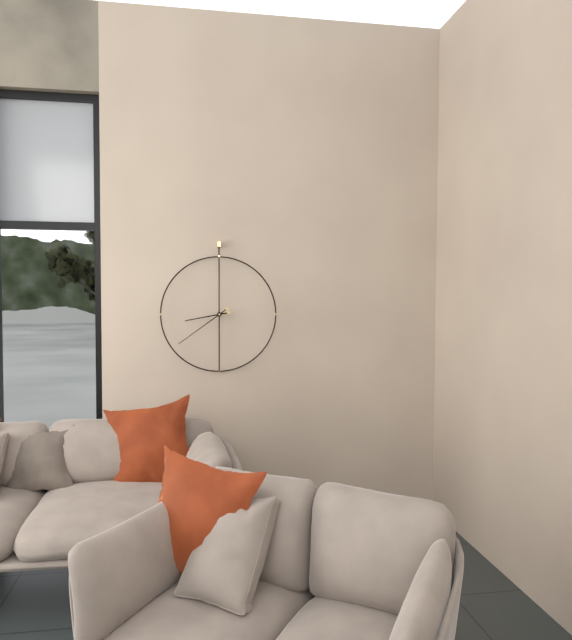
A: **8:39**
